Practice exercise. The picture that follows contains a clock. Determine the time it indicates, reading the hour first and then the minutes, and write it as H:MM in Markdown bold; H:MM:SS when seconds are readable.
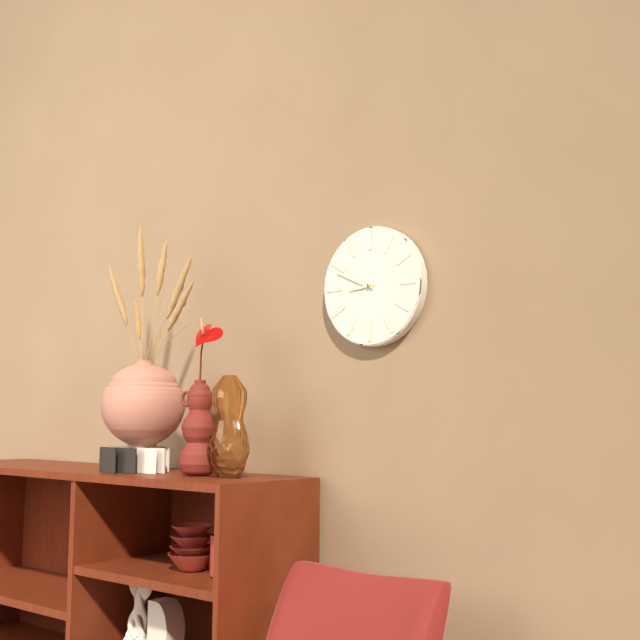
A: **8:49**
